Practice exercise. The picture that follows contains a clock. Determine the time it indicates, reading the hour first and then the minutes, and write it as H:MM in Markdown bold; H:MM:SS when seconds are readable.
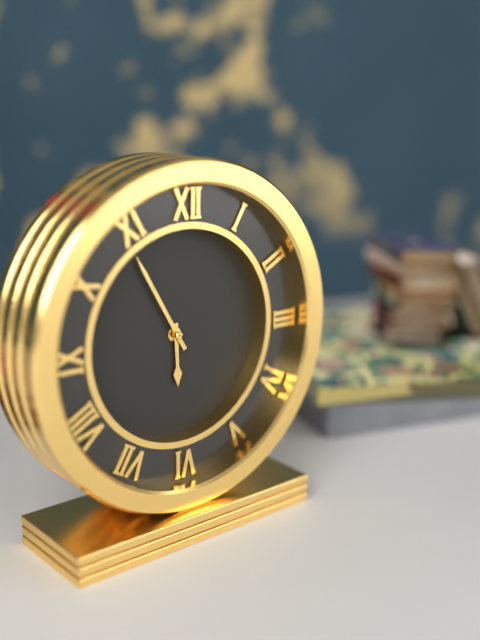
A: **5:55**
